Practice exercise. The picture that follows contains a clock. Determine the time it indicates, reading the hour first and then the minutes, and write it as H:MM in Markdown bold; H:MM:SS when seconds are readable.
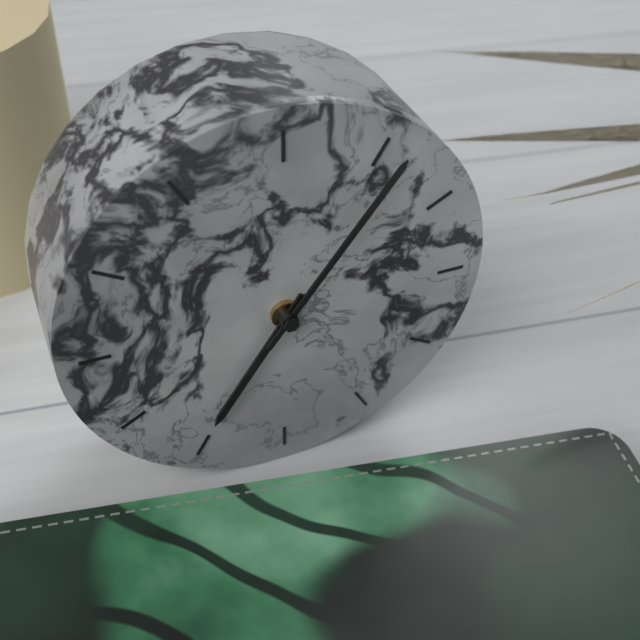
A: **7:06**
